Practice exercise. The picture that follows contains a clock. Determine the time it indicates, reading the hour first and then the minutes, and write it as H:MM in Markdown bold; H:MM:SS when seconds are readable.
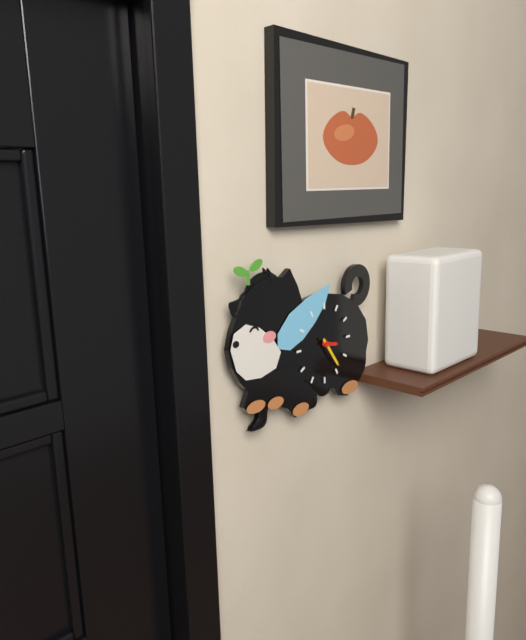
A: **3:24**
